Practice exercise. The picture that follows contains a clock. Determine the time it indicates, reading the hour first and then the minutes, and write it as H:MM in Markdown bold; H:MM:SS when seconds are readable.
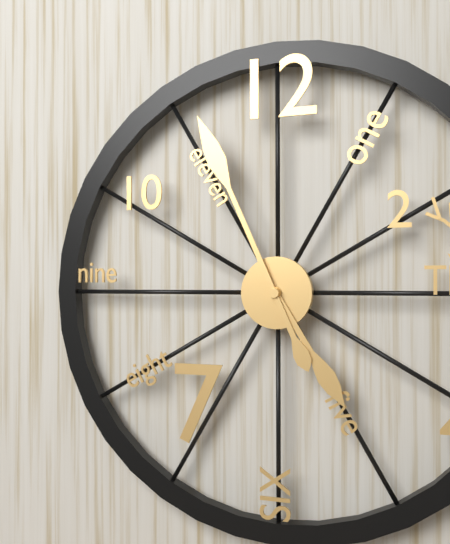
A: **4:56**
